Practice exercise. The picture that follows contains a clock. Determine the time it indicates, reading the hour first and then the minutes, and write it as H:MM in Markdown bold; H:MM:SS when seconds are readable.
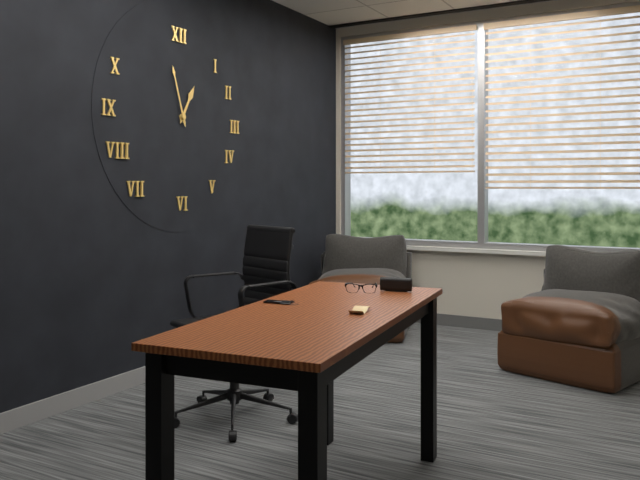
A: **12:57**
